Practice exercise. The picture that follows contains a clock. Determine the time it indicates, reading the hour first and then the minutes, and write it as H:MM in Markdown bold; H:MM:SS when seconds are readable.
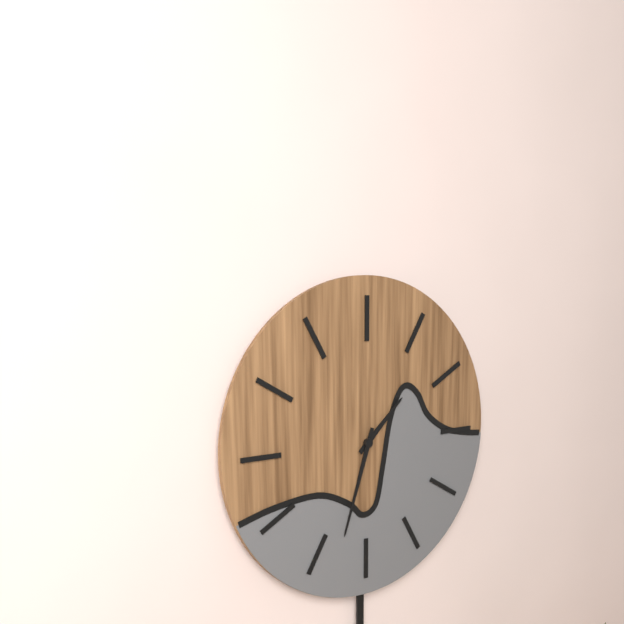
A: **1:33**
